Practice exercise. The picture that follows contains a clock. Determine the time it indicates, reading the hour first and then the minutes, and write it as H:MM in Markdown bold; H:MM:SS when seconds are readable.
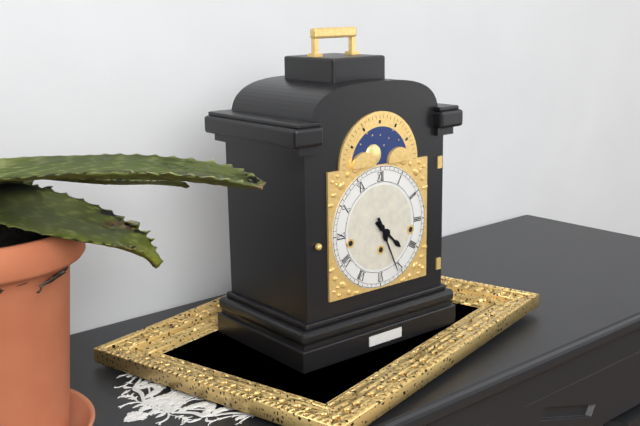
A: **4:26**
